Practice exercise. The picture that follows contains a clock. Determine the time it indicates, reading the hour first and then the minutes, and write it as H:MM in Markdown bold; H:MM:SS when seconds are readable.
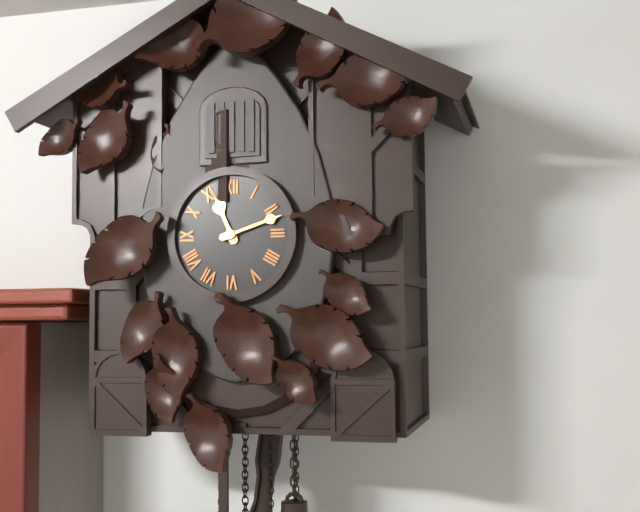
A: **11:12**
